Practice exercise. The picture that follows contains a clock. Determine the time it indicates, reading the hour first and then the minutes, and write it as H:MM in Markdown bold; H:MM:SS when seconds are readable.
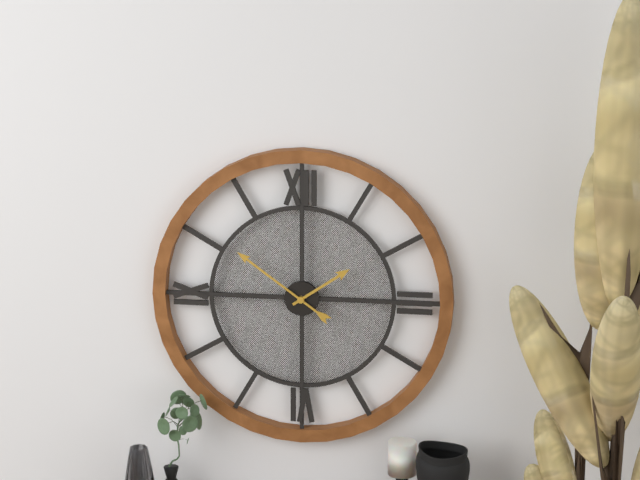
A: **1:51**
